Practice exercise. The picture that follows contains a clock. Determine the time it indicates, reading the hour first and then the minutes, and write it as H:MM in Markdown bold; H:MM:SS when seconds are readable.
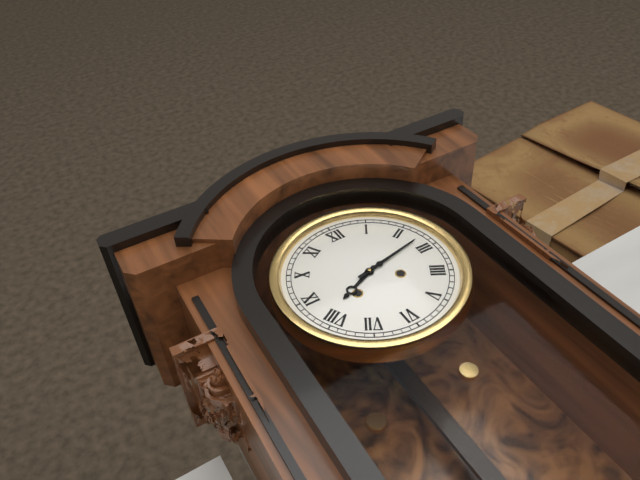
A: **8:13**
